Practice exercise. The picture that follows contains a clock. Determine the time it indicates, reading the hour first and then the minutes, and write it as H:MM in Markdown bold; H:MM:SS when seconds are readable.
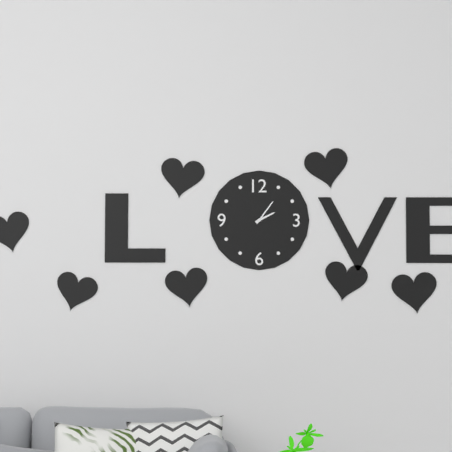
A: **2:06**
